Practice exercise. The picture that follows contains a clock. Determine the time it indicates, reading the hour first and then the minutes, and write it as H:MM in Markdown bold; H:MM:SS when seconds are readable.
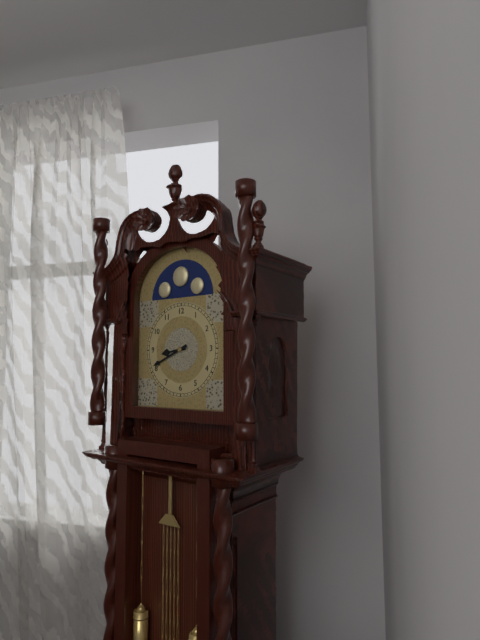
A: **8:41**
